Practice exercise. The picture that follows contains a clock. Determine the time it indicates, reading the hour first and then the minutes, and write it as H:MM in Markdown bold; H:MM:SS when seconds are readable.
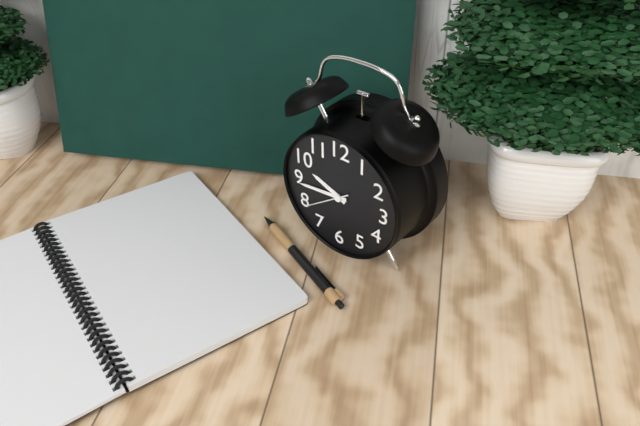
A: **9:44**
